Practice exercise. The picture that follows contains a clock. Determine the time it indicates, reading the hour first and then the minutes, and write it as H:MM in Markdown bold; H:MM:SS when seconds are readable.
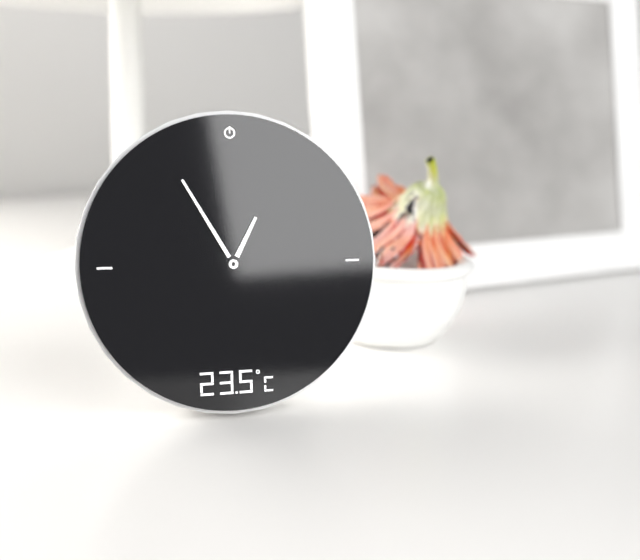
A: **12:55**
